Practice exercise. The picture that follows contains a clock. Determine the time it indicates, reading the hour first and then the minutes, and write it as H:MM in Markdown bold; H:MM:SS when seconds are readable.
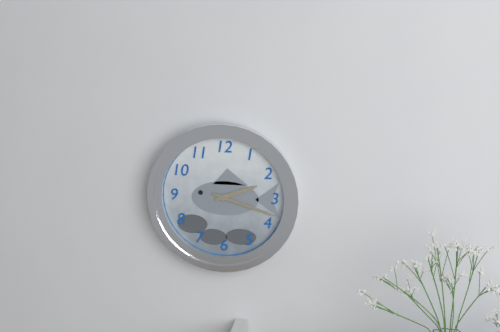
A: **2:18**
